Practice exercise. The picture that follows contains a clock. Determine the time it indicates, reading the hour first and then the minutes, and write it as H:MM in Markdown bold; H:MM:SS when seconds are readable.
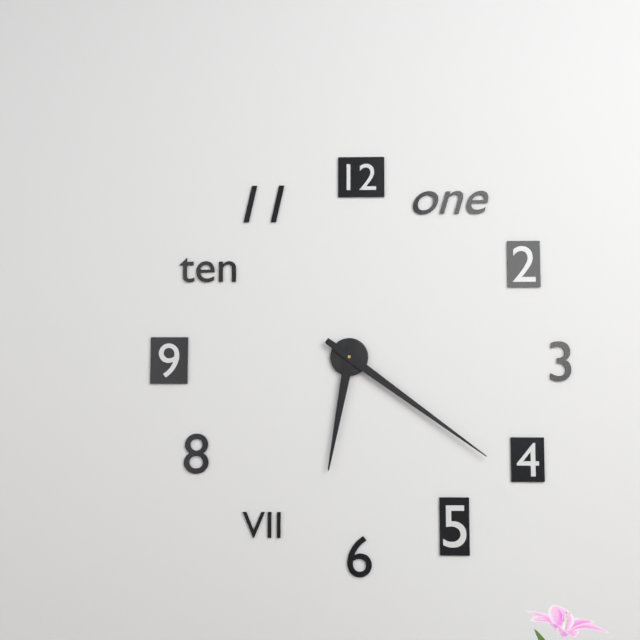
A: **6:21**
